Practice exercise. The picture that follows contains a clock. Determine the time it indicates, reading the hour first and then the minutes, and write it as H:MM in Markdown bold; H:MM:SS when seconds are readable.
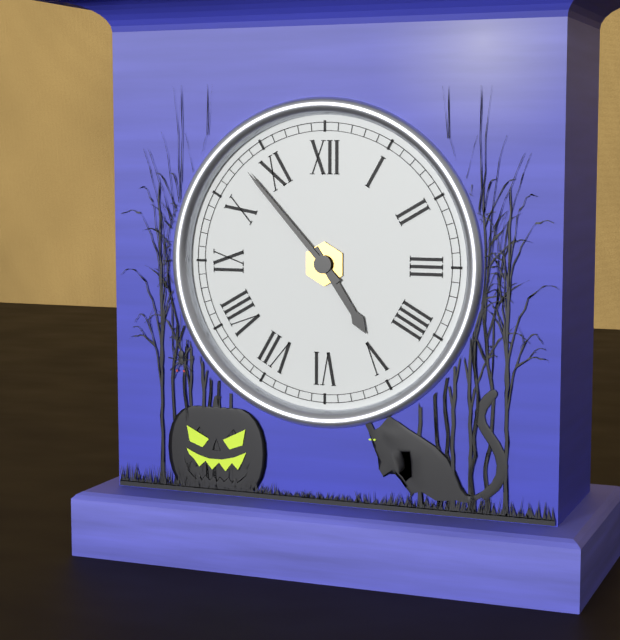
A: **4:53**
